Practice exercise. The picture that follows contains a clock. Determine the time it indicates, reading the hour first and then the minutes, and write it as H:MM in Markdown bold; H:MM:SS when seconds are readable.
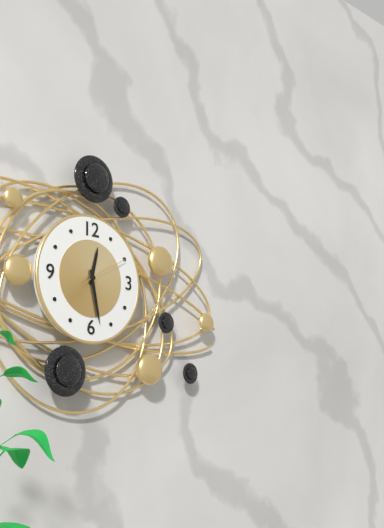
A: **12:28**
